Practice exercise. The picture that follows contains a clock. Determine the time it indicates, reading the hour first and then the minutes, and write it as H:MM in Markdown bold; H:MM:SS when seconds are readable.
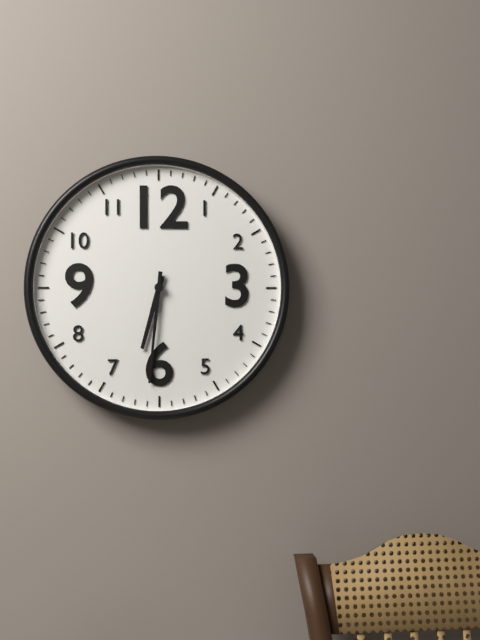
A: **6:31**
